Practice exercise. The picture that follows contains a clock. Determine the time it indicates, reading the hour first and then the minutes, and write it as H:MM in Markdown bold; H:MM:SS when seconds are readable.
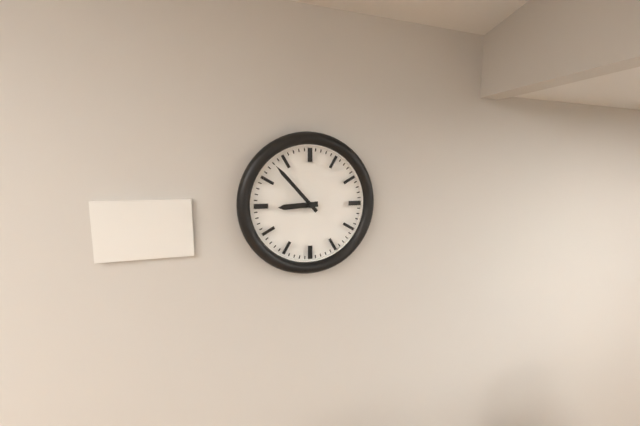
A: **8:53**
